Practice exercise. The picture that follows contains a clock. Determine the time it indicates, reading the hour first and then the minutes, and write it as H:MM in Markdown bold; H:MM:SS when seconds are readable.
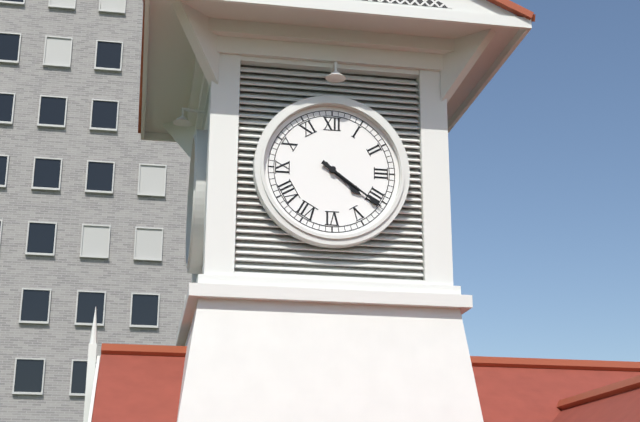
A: **4:21**
